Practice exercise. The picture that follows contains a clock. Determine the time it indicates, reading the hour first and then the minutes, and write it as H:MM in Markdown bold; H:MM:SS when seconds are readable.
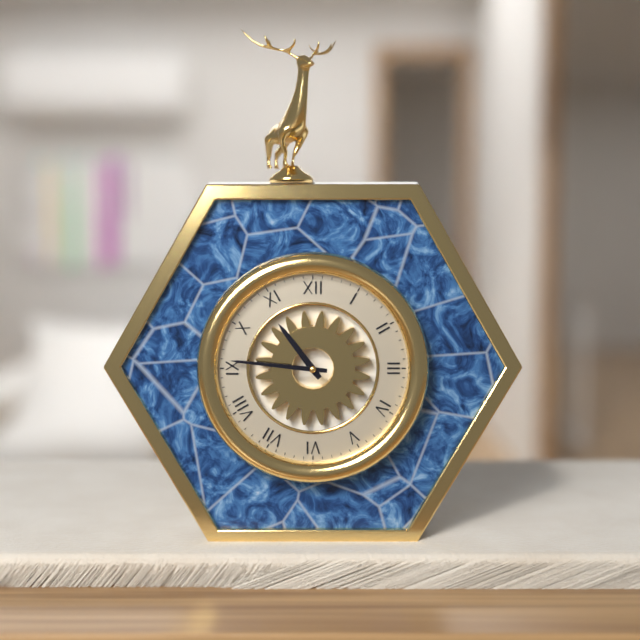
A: **10:46**
